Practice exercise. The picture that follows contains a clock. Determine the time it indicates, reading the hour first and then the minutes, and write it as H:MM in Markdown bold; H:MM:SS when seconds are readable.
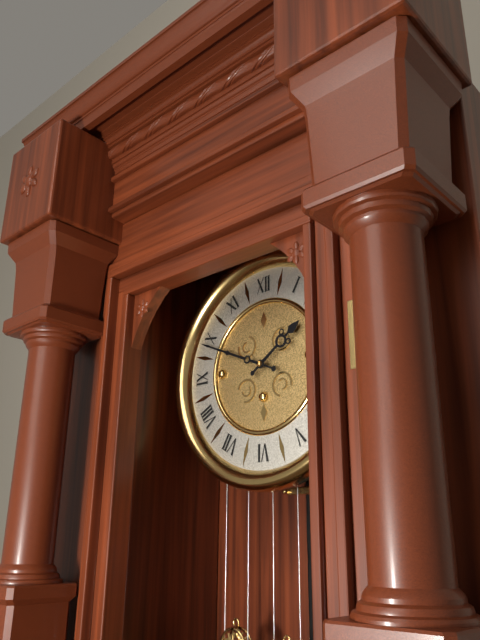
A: **1:49**
